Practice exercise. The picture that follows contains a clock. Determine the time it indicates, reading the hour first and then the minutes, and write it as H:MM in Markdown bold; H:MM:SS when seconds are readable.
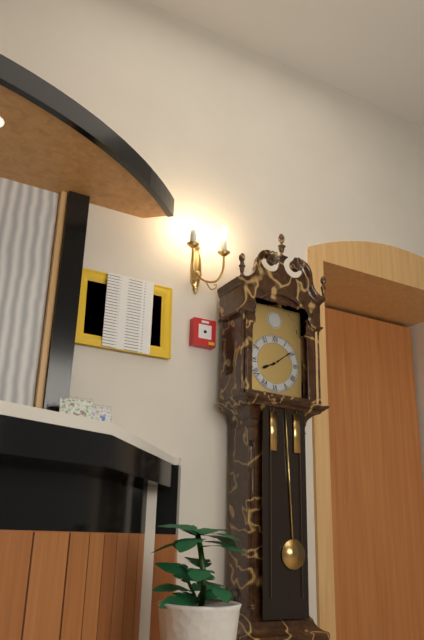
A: **8:09**
